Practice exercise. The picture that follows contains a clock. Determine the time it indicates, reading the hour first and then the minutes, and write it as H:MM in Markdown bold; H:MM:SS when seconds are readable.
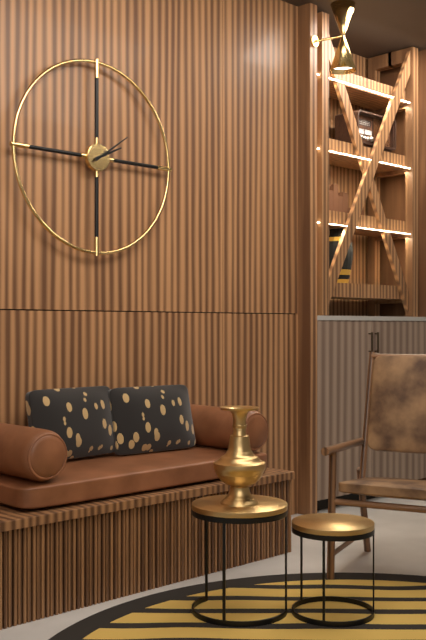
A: **2:09**
